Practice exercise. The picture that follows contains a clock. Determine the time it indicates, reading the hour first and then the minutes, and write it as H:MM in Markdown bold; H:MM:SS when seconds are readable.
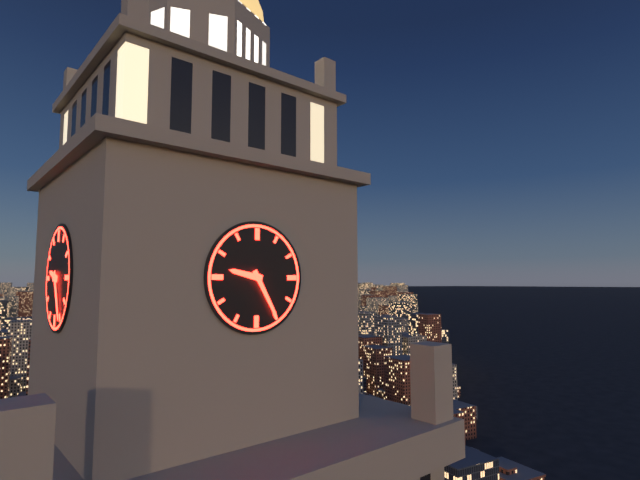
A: **9:25**
